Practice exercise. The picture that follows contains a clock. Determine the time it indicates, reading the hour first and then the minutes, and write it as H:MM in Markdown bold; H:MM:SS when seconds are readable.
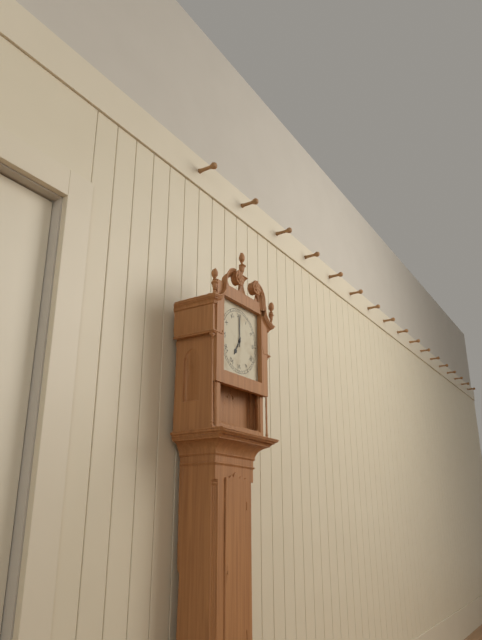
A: **7:00**
